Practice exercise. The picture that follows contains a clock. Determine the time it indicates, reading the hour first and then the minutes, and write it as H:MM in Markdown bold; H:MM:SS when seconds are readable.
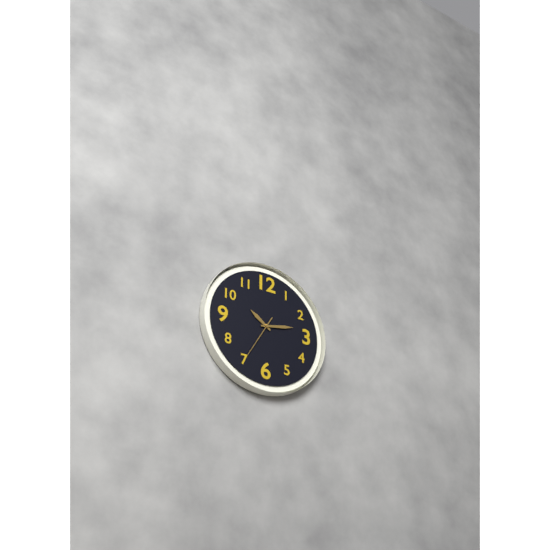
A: **10:13**
